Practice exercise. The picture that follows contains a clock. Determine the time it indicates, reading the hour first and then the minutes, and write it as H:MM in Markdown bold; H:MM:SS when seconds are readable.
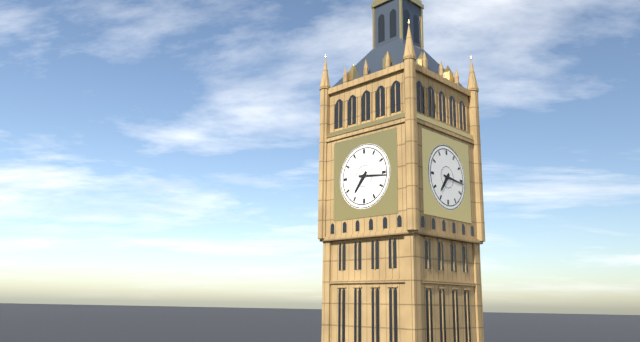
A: **7:16**
